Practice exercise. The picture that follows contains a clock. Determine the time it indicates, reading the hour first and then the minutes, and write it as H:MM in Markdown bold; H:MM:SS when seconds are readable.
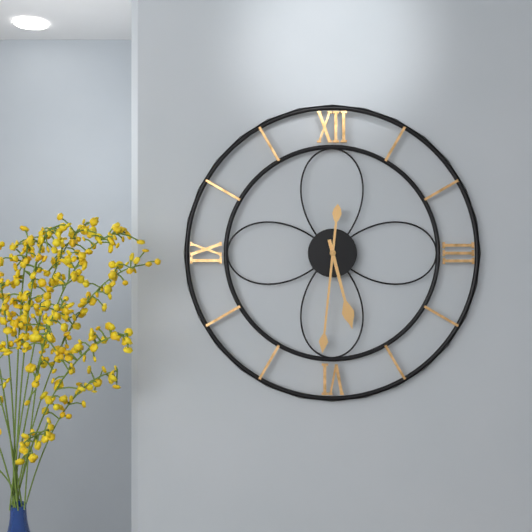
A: **5:31**
